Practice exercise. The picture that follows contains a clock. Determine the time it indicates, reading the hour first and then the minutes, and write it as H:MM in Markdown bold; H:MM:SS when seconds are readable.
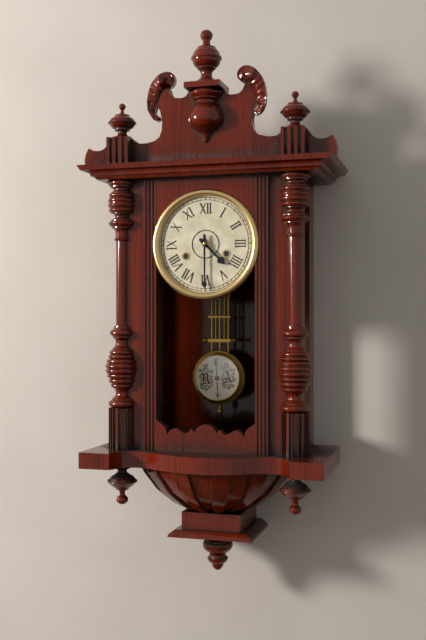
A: **4:30**
